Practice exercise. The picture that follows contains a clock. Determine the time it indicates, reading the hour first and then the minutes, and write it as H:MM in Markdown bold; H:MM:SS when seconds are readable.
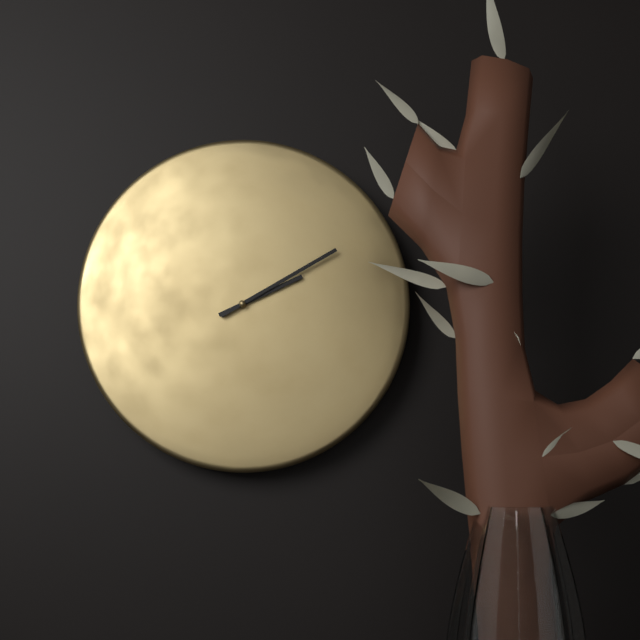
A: **2:10**
